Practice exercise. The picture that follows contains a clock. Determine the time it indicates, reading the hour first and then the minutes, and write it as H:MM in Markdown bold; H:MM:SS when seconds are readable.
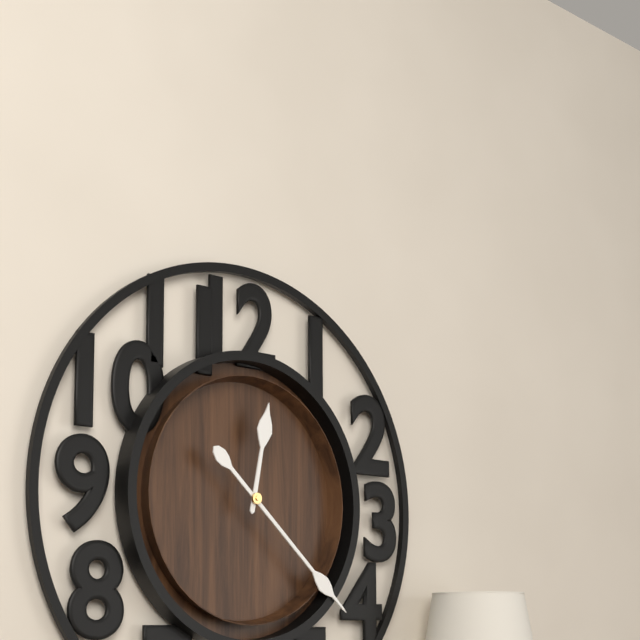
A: **12:22**
